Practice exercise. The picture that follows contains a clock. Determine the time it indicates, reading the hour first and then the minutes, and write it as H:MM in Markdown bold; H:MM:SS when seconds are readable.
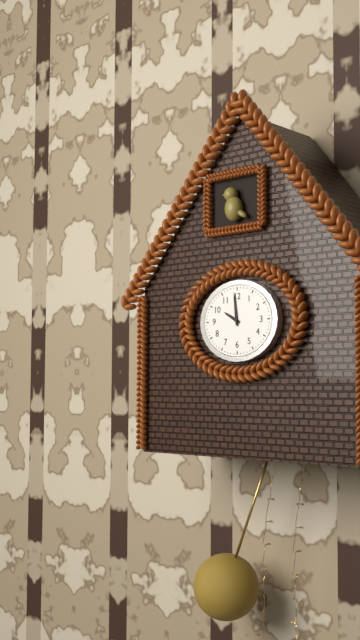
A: **9:59**
